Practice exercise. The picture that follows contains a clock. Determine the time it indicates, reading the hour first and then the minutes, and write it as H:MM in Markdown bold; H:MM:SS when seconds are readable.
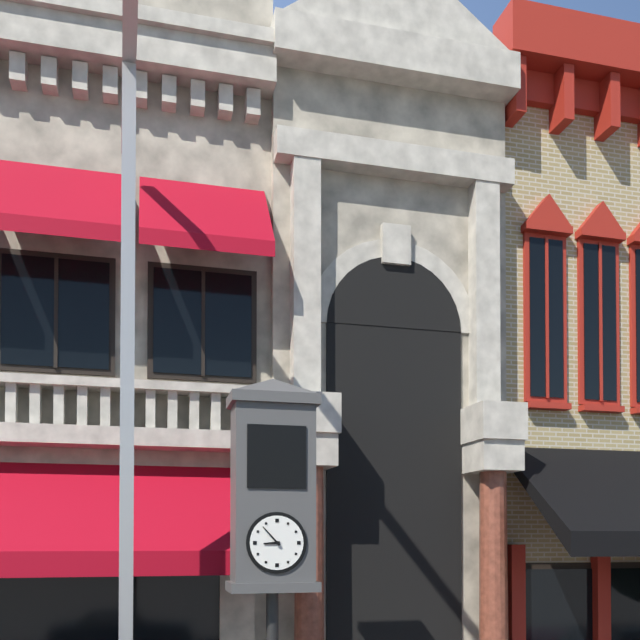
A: **8:53**
